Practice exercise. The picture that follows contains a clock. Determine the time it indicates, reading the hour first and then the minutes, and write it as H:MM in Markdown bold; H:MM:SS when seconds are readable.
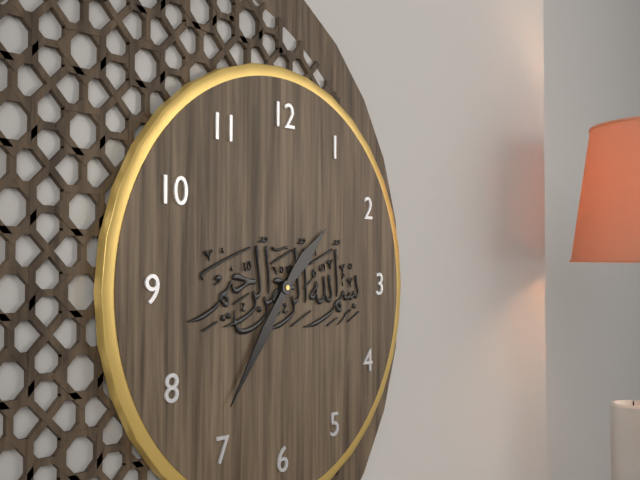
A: **1:36**
